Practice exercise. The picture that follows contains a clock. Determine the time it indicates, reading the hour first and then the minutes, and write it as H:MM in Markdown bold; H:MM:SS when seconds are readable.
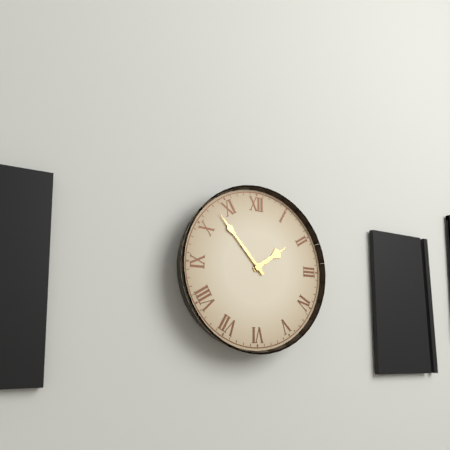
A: **1:53**
